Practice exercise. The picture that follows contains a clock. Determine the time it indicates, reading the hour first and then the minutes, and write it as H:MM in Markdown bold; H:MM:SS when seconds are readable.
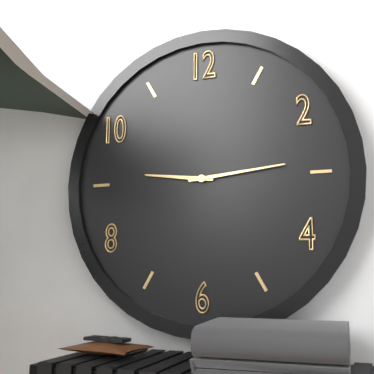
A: **9:14**
